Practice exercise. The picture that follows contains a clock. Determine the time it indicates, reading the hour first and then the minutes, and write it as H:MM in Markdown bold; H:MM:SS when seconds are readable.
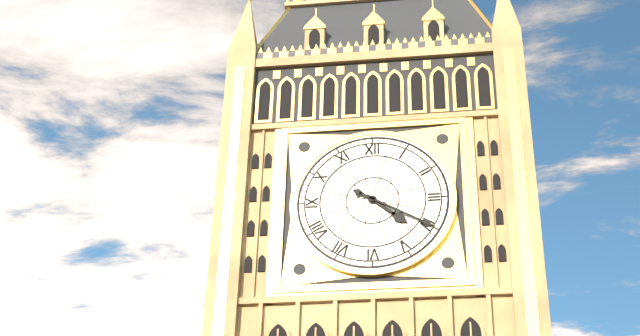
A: **4:20**
